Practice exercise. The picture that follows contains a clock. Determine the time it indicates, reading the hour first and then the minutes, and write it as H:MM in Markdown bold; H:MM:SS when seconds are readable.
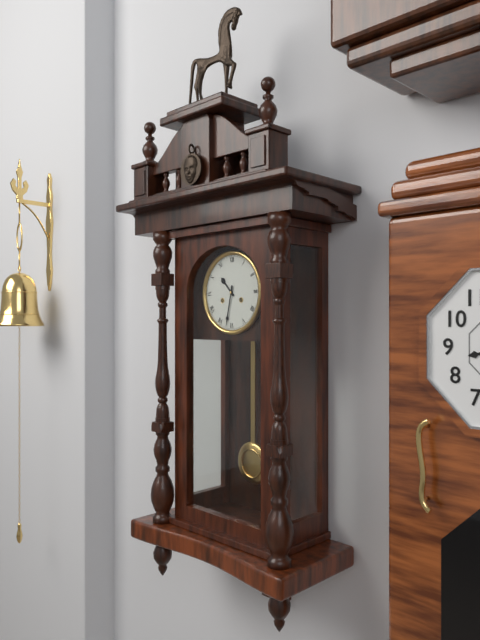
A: **10:32**
